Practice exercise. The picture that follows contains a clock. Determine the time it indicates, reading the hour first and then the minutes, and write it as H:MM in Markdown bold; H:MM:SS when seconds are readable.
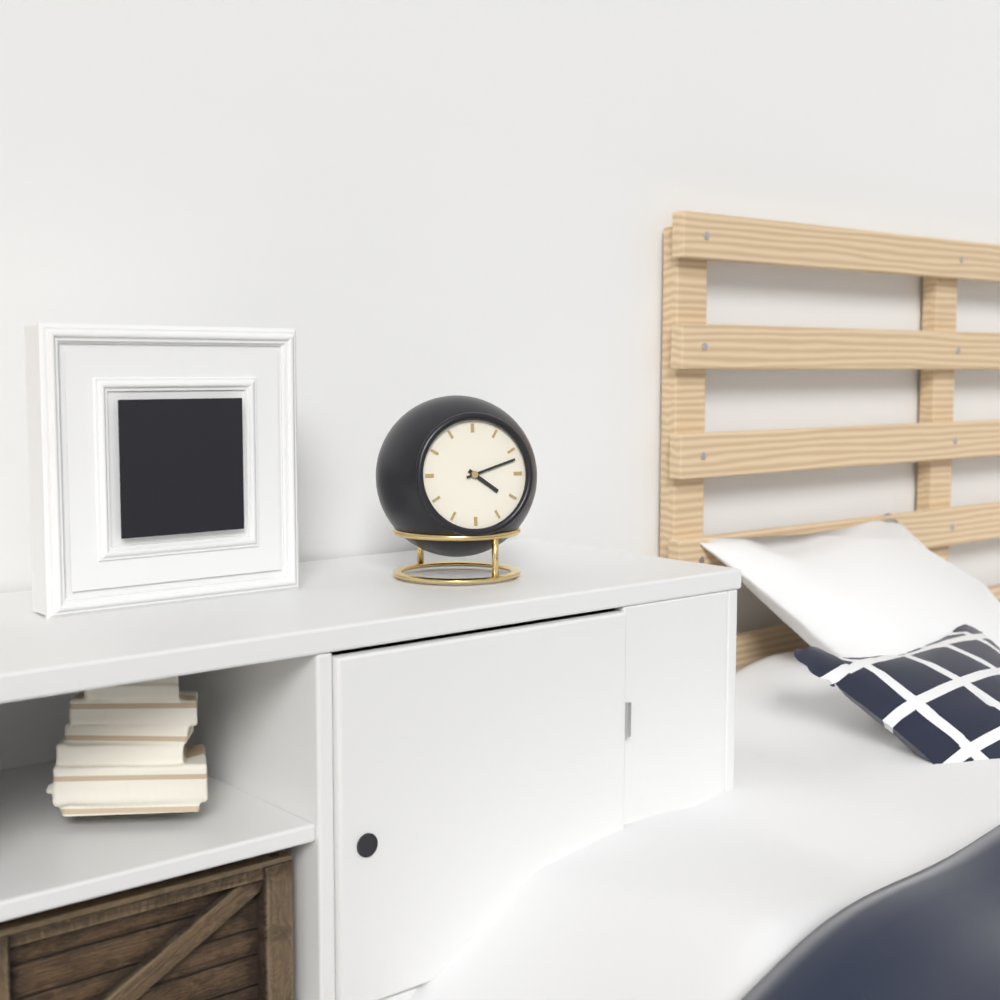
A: **4:12**
